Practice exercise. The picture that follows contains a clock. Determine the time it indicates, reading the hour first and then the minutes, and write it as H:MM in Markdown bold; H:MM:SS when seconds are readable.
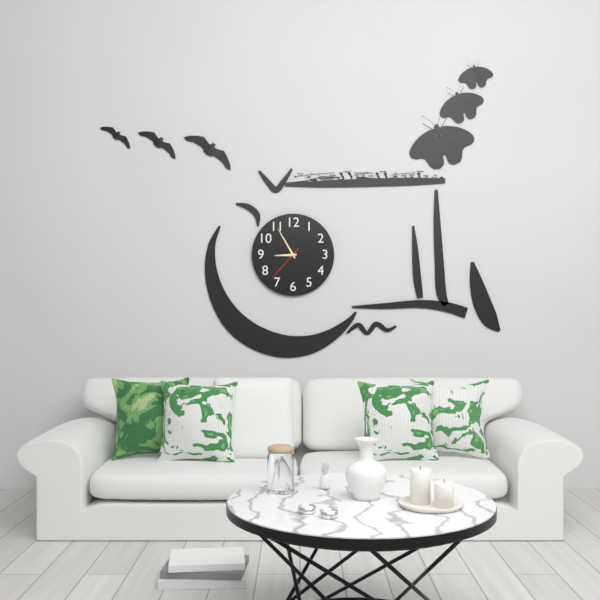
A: **8:55**
